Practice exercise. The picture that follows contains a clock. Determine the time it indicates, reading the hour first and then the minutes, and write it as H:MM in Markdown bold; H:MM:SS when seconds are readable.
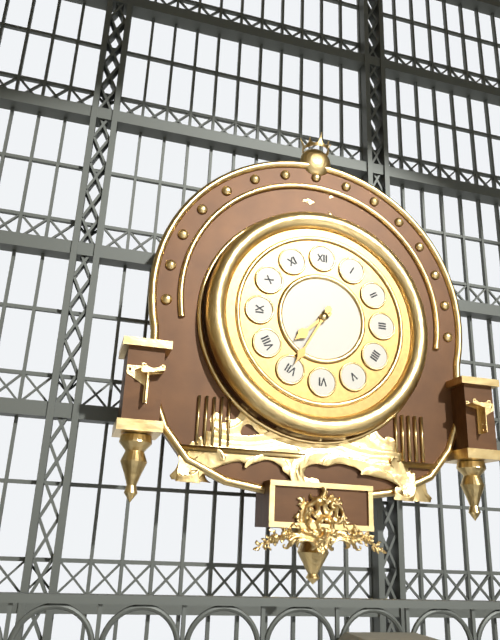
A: **7:35**
